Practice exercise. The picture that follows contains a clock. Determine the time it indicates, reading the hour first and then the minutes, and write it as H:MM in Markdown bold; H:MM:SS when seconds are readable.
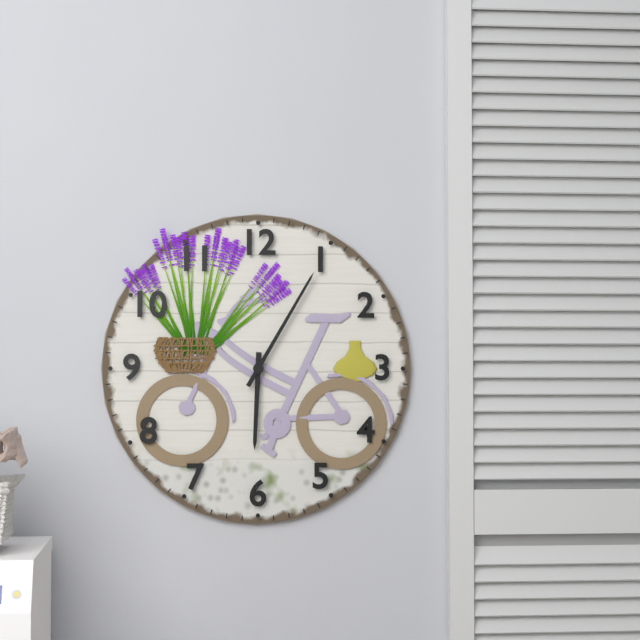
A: **6:05**
